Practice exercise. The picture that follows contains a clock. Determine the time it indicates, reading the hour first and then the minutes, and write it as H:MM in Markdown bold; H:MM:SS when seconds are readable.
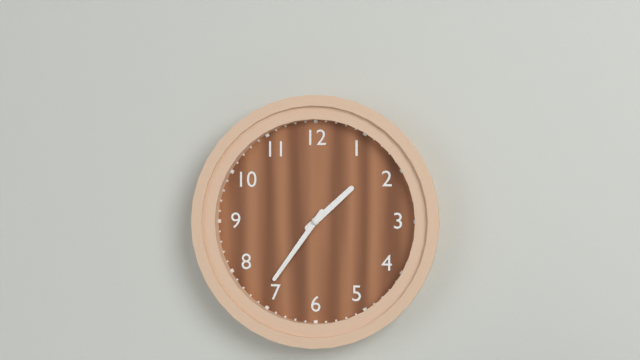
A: **1:36**
